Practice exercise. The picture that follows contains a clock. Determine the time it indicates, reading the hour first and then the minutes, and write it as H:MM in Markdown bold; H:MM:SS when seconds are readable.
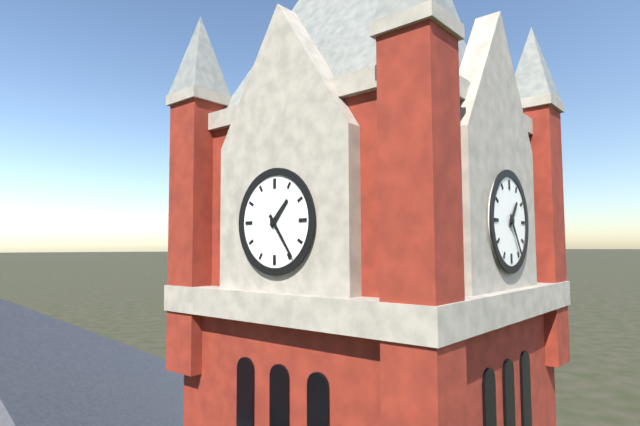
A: **1:24**
